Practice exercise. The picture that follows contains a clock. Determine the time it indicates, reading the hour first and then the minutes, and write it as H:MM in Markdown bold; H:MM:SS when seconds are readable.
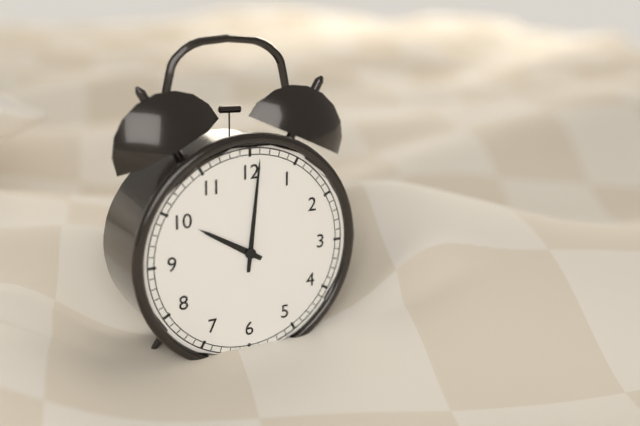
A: **10:01**
